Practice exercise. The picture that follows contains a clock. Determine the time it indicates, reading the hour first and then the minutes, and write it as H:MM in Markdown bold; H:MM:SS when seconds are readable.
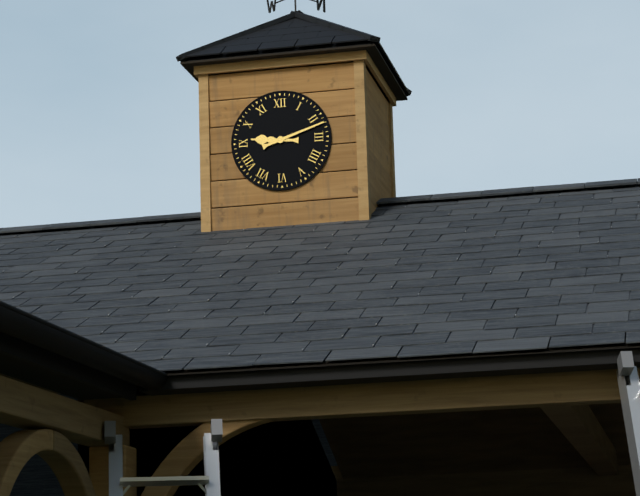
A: **9:12**
